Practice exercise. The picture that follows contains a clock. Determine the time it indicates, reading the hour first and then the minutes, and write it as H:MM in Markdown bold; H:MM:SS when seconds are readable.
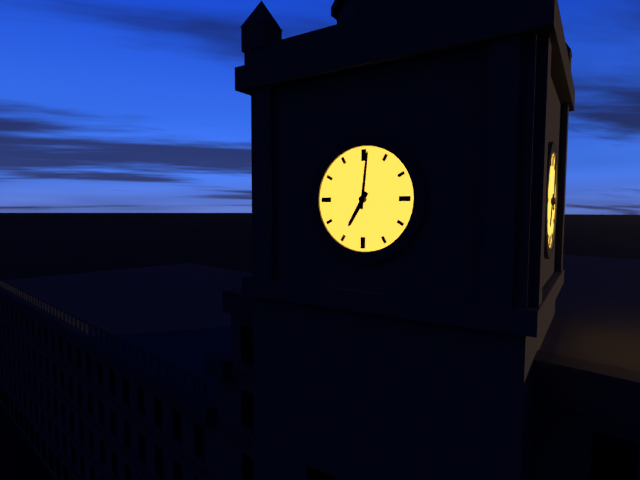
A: **7:01**
